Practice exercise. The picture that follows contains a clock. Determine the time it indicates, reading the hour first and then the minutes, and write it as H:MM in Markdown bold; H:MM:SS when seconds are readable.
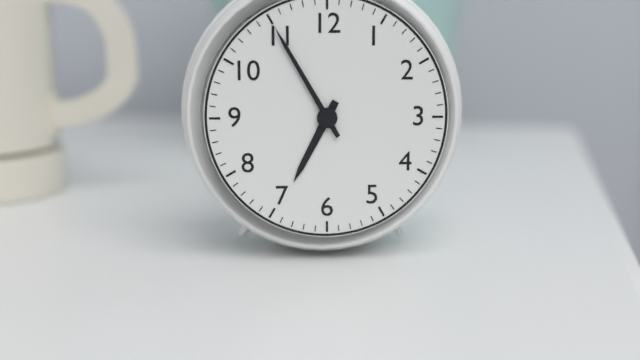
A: **6:55**
